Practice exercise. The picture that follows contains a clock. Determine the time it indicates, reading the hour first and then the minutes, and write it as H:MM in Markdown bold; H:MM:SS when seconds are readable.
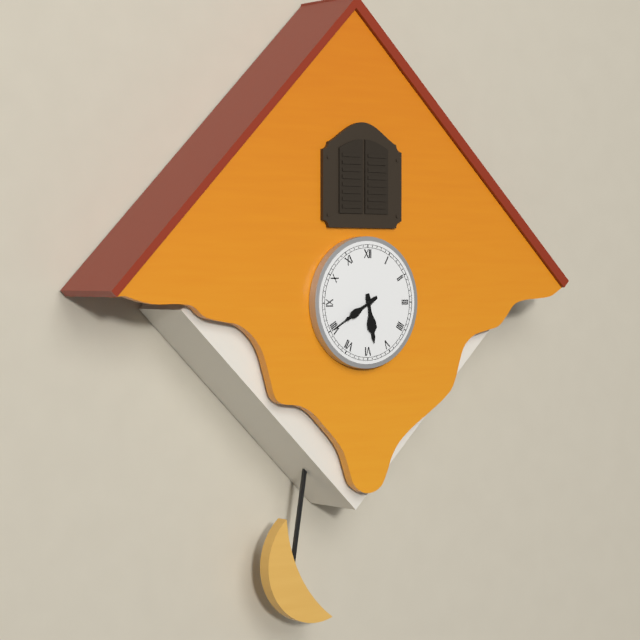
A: **5:40**
